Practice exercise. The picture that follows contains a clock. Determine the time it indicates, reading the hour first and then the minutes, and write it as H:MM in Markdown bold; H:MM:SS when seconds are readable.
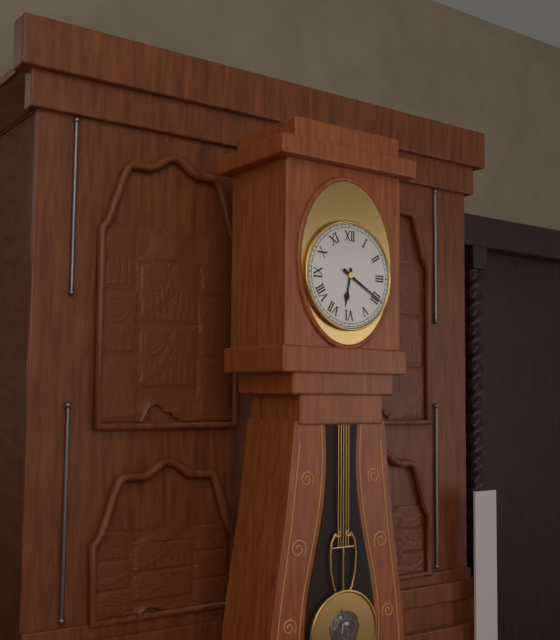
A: **6:20**
